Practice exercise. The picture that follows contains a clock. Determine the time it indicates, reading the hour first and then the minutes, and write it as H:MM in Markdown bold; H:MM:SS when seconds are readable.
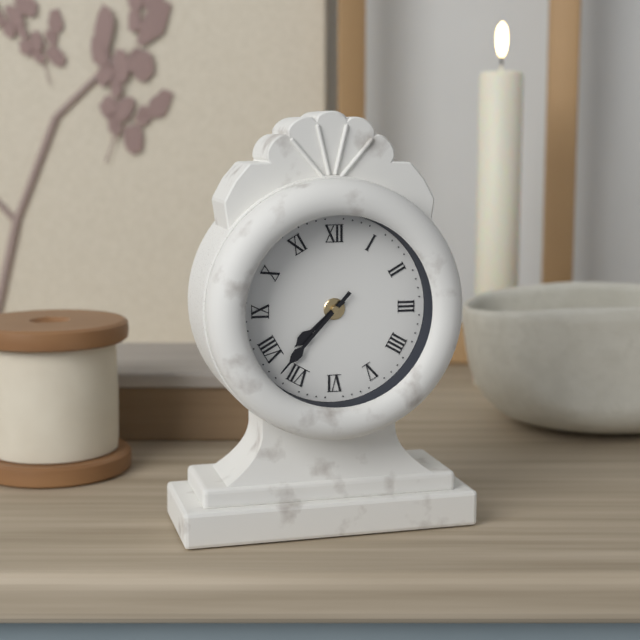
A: **7:37**
